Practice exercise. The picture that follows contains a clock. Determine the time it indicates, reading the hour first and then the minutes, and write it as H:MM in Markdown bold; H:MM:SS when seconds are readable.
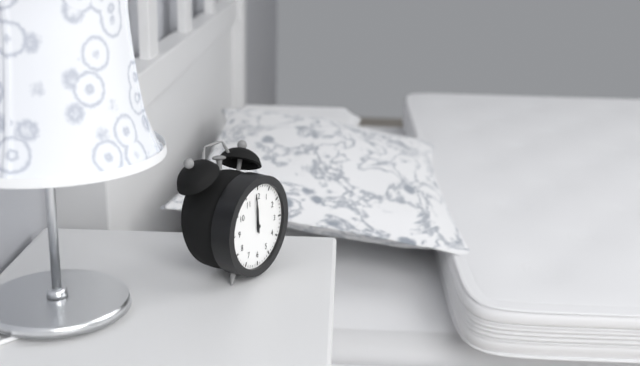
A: **11:59**
